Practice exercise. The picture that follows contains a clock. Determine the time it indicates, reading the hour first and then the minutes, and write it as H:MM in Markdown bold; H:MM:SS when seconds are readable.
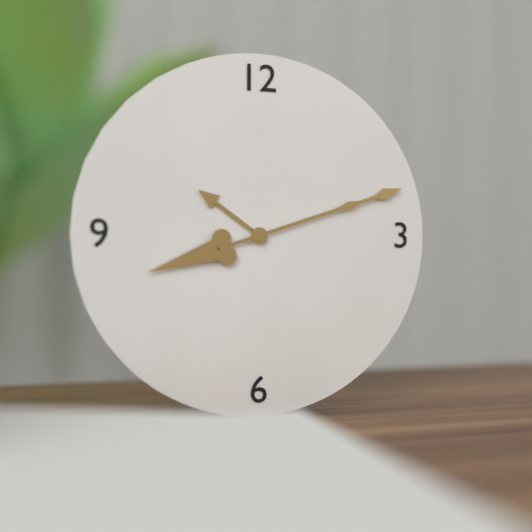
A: **10:12**
